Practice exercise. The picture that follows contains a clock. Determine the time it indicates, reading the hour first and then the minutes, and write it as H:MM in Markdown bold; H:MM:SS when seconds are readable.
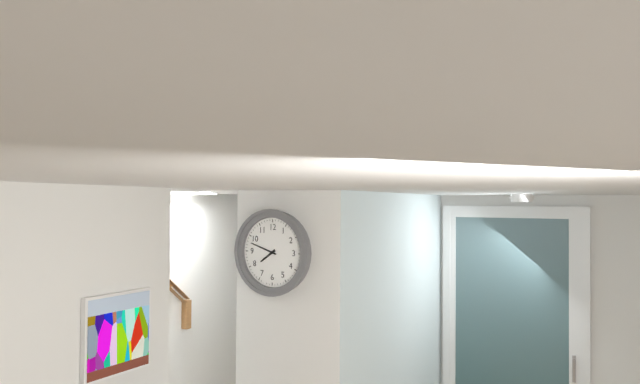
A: **7:48**
